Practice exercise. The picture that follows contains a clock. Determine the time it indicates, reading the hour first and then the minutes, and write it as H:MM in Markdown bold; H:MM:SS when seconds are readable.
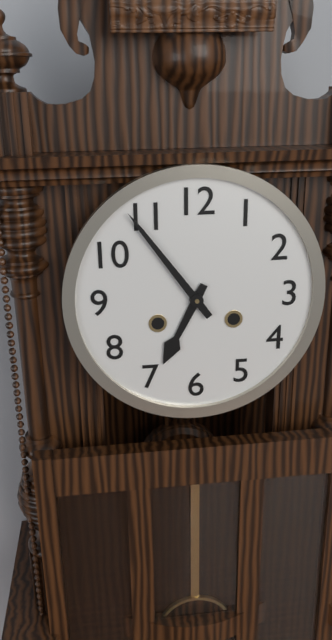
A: **6:54**
